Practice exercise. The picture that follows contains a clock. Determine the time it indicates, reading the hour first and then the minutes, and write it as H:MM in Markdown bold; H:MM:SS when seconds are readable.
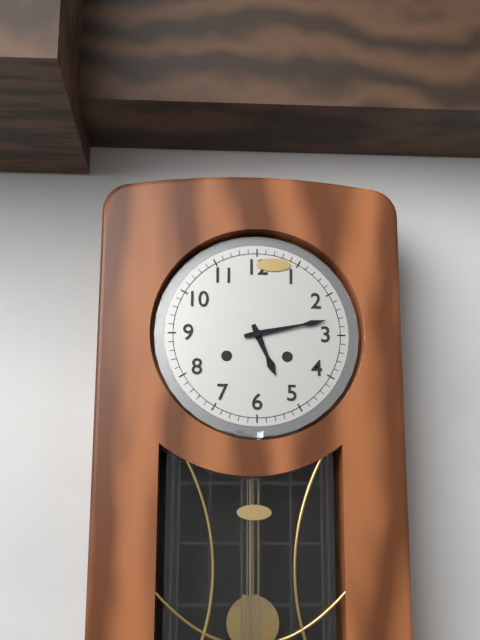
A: **5:13**
